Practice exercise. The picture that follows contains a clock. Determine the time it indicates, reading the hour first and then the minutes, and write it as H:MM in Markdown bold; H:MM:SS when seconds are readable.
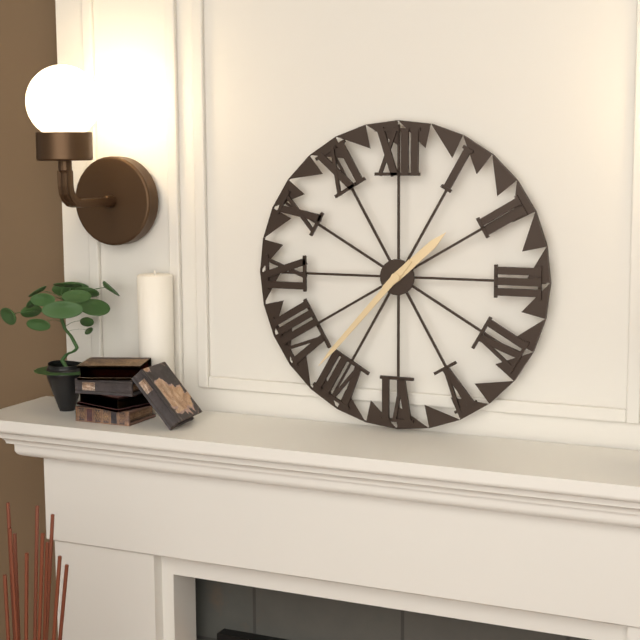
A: **1:37**
